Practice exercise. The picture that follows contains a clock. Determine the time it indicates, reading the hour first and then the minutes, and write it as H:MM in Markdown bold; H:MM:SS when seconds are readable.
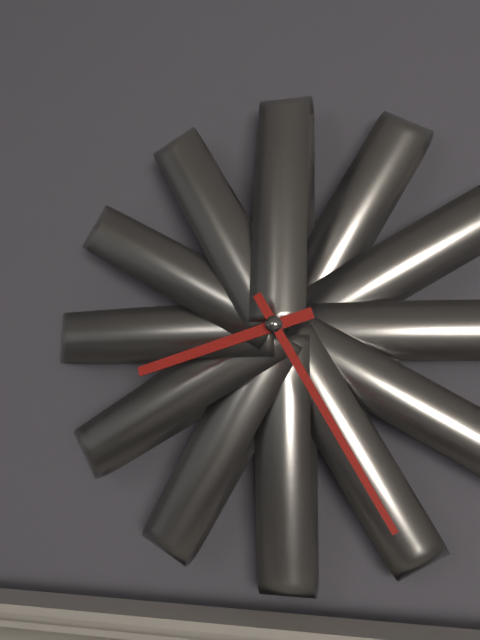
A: **8:25**
